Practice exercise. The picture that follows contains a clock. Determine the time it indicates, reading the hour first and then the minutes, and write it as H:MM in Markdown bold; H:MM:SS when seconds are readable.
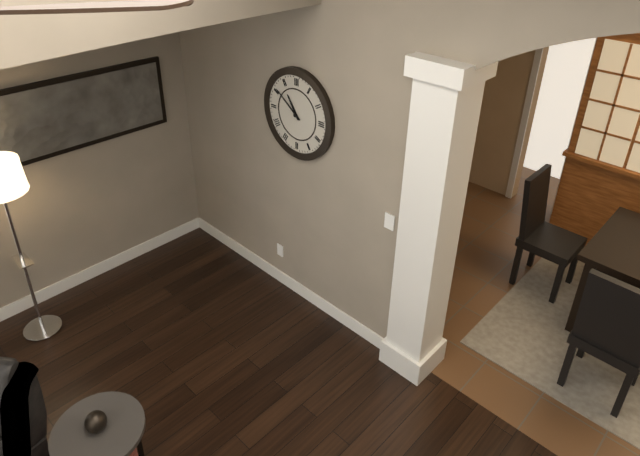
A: **10:51**
